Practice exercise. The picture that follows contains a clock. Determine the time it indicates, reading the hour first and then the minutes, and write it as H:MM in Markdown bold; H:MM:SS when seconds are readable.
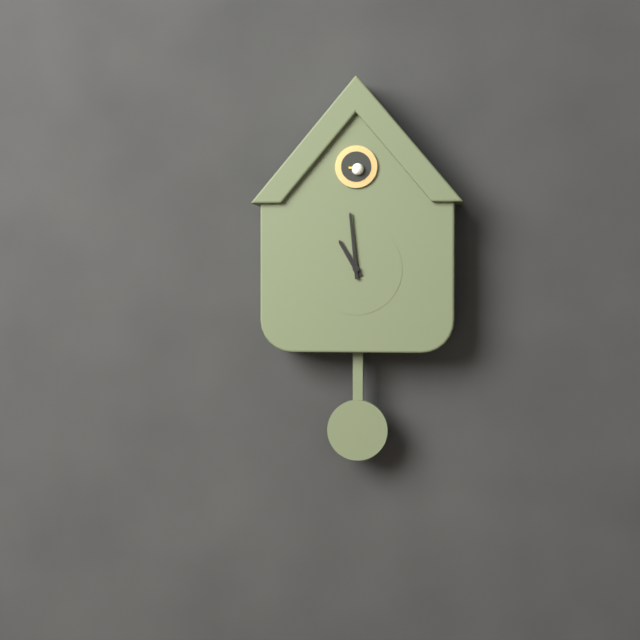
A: **10:59**
